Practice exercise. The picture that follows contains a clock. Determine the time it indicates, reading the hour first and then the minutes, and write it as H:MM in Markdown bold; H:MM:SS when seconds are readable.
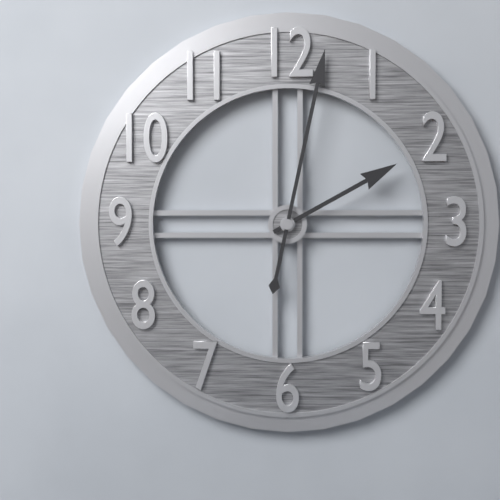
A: **2:02**
